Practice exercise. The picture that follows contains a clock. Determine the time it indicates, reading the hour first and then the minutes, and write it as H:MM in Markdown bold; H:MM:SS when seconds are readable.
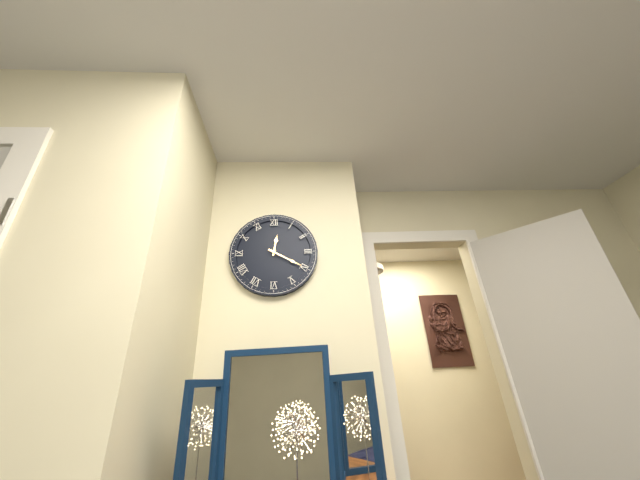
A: **12:20**
